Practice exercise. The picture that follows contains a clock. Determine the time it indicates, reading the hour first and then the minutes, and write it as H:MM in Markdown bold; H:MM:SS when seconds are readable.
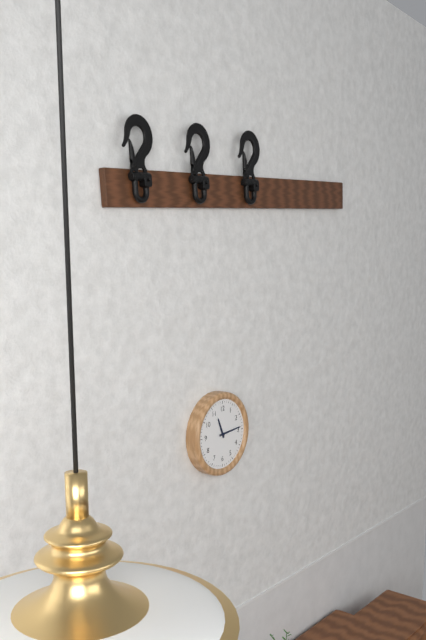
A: **11:14**
